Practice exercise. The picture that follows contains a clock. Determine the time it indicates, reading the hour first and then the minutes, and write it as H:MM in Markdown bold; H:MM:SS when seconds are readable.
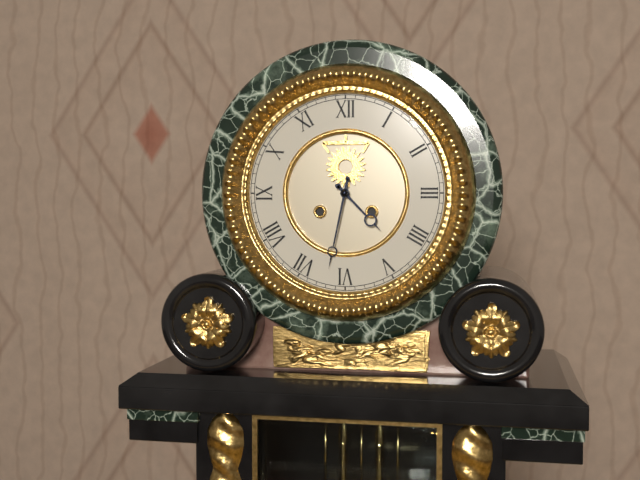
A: **4:32**
